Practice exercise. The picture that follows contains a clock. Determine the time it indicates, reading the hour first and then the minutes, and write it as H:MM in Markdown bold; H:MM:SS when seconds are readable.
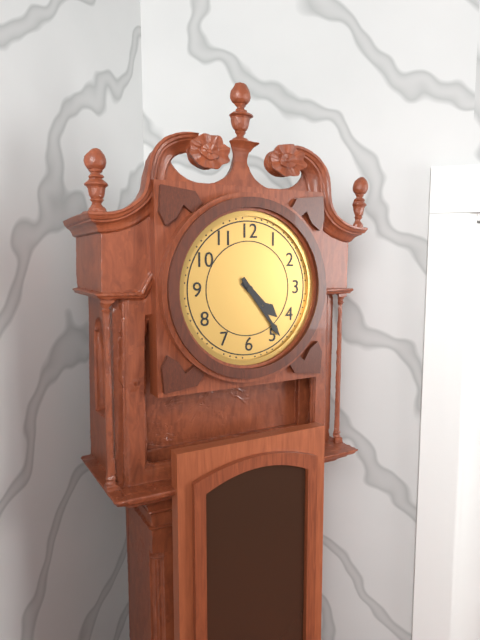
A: **4:24**
